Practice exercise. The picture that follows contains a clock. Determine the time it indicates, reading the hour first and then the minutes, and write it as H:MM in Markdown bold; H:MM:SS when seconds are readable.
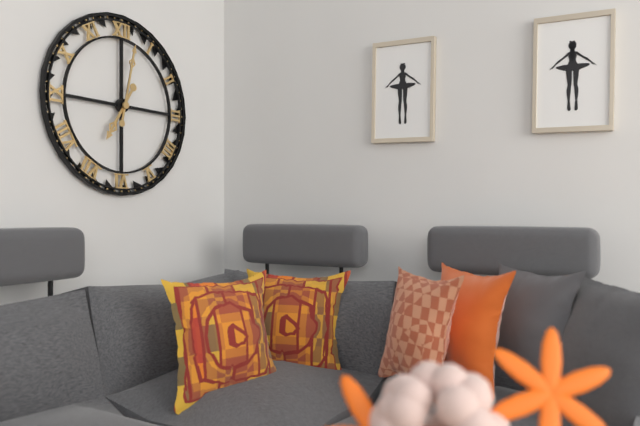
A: **7:02**
